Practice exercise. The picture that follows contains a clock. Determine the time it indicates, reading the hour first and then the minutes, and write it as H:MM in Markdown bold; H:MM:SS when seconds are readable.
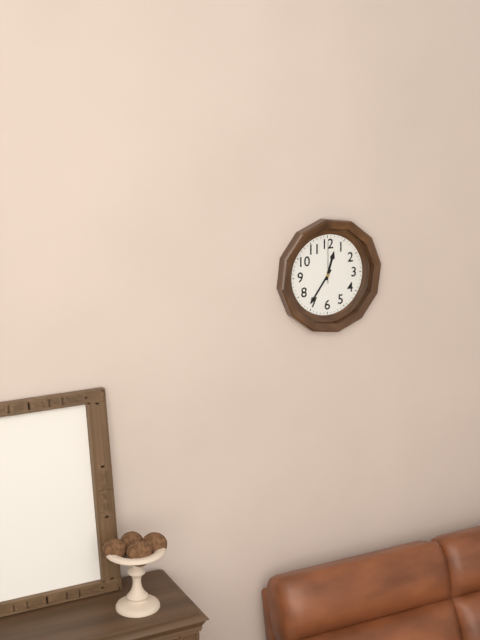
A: **12:36**
